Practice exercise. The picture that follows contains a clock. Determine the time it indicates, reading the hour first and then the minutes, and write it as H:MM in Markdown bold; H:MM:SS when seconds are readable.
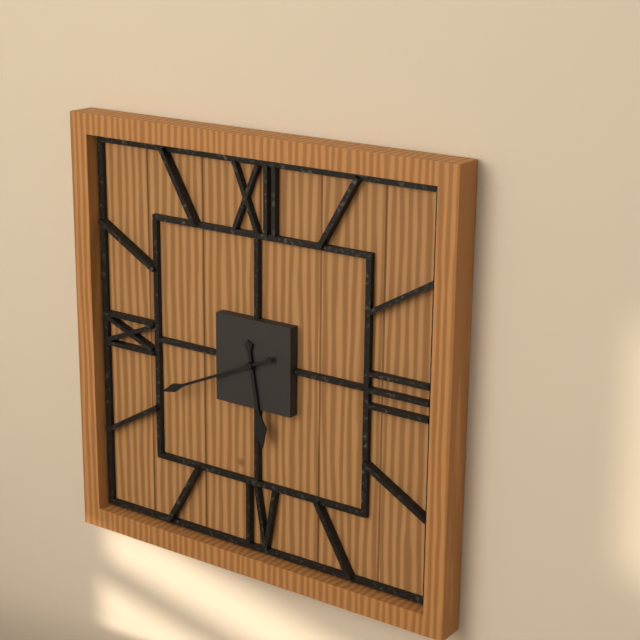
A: **5:41**
